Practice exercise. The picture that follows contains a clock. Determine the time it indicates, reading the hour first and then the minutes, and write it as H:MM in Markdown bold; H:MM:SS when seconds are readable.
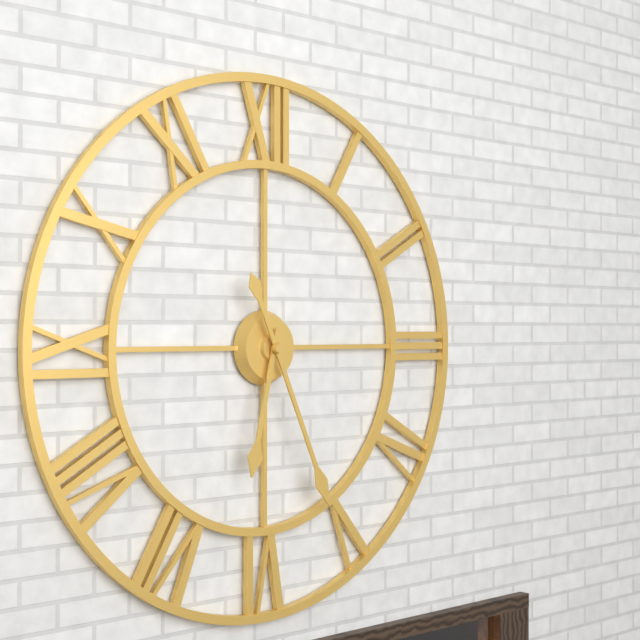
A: **6:26**
